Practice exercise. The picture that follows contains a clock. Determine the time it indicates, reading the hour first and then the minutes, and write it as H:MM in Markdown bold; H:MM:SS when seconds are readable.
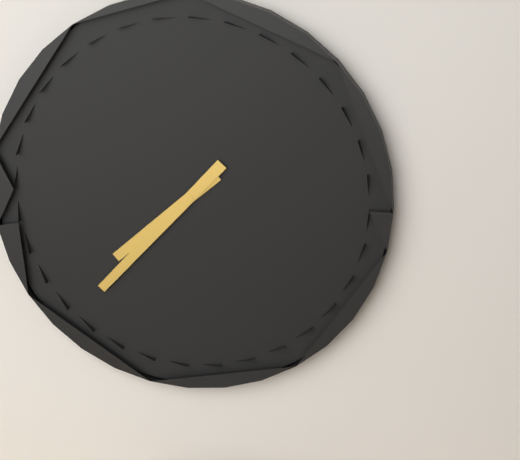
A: **7:37**
